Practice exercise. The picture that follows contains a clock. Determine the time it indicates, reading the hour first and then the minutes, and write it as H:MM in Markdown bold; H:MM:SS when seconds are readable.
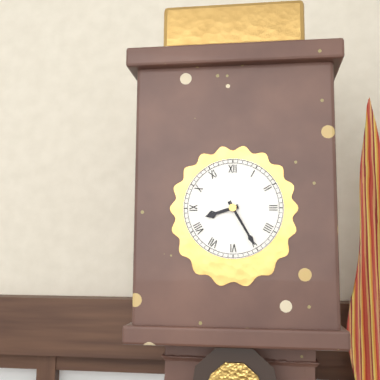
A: **8:25**
